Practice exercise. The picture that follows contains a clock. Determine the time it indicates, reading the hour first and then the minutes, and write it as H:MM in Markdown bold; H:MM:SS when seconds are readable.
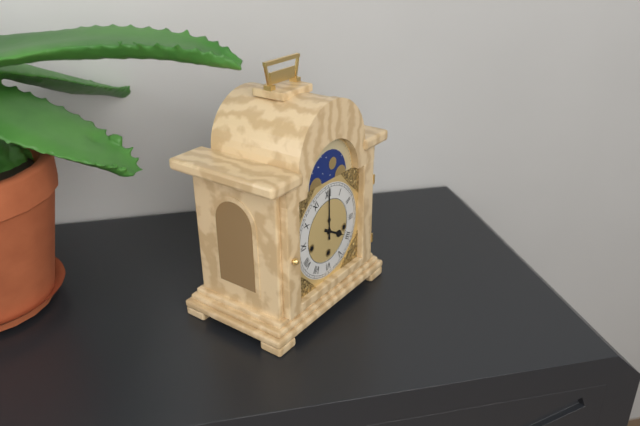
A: **4:00**
